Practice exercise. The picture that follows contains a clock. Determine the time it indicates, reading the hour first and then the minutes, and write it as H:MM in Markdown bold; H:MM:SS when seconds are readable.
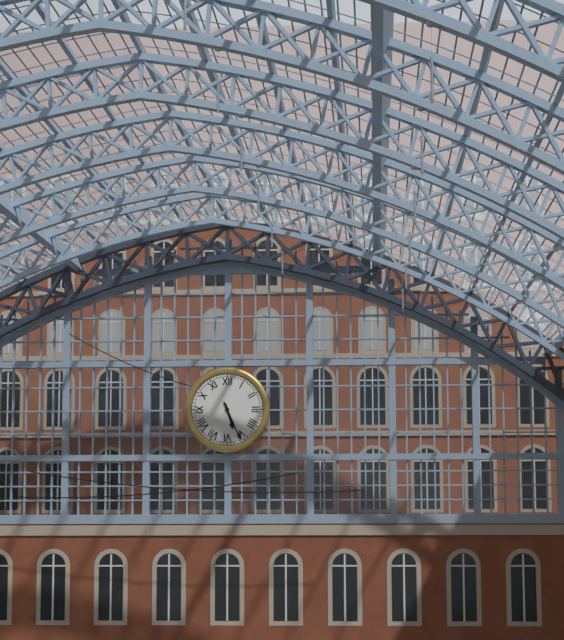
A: **5:26**
